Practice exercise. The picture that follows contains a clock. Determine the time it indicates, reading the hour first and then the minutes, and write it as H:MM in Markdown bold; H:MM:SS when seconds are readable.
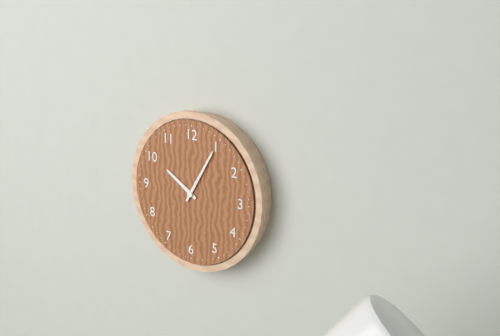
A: **10:05**
